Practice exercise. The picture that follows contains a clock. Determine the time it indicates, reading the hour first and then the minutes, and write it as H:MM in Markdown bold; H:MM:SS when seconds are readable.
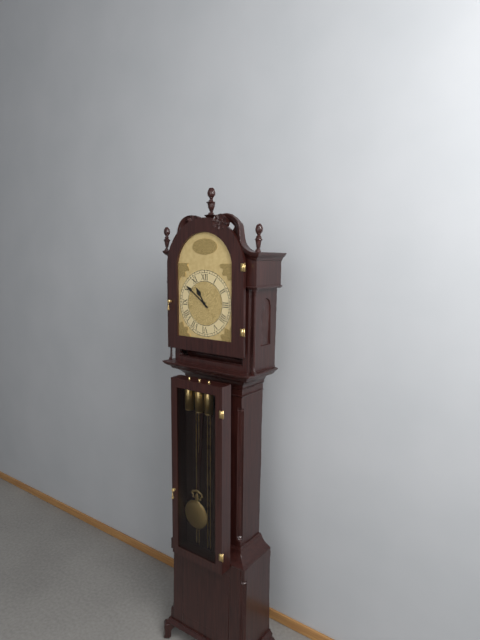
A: **10:51**
